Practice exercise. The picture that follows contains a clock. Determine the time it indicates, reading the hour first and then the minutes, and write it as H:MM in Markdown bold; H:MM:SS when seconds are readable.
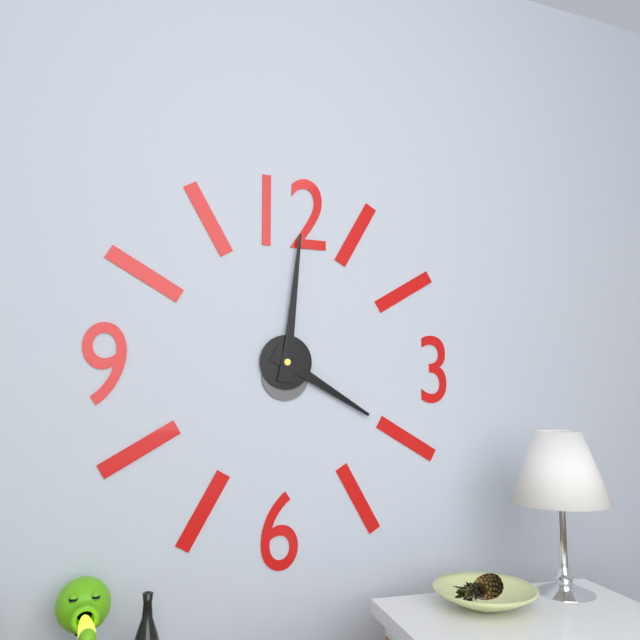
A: **4:01**
